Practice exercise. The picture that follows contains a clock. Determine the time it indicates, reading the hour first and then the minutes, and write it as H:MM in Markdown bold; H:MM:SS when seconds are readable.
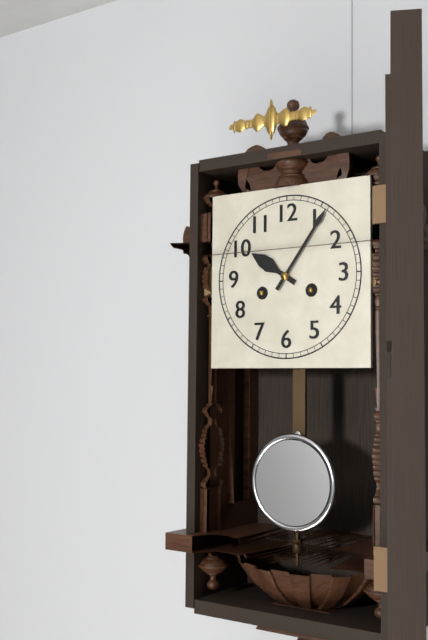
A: **10:06**
